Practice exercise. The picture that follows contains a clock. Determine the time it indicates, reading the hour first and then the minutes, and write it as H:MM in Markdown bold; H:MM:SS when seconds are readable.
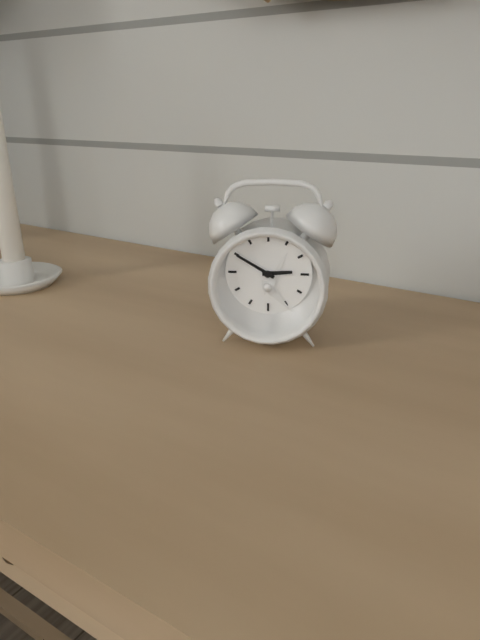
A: **2:50**
